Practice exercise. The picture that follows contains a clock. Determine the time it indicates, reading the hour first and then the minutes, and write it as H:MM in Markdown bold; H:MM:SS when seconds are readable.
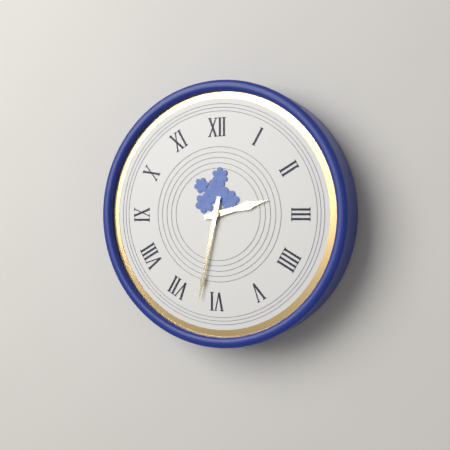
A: **2:32**
